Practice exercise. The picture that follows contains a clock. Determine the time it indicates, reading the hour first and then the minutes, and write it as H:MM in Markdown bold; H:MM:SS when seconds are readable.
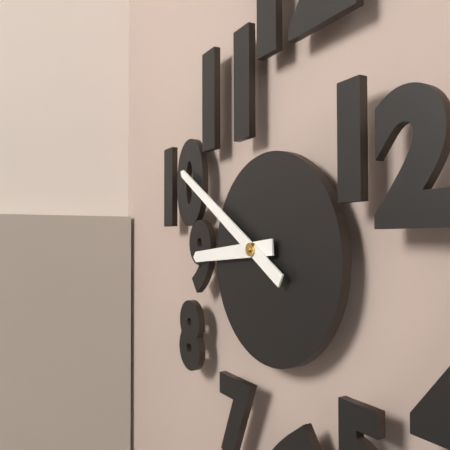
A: **8:50**
